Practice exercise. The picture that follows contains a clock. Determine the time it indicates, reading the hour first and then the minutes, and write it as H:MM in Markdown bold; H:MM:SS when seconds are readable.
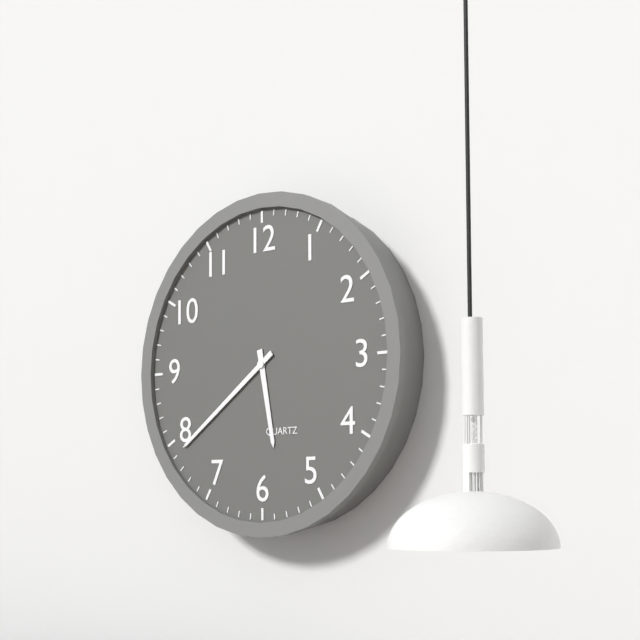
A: **5:39**
